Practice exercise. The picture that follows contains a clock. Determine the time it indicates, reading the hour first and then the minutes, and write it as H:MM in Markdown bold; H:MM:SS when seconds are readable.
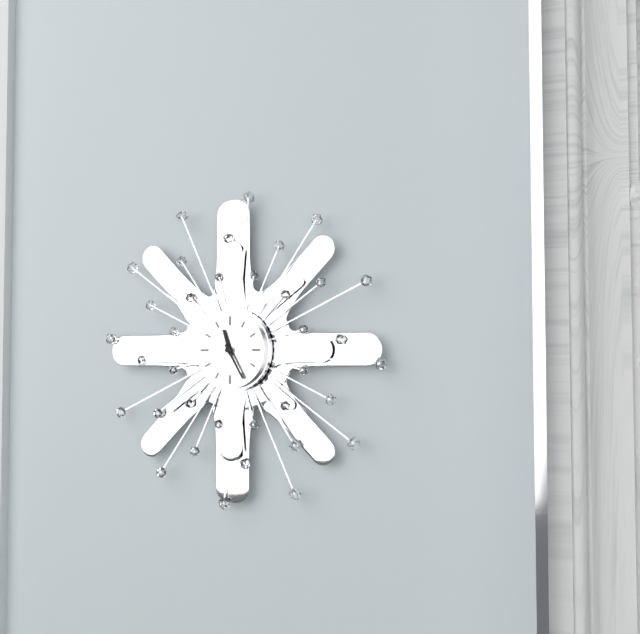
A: **11:25**
